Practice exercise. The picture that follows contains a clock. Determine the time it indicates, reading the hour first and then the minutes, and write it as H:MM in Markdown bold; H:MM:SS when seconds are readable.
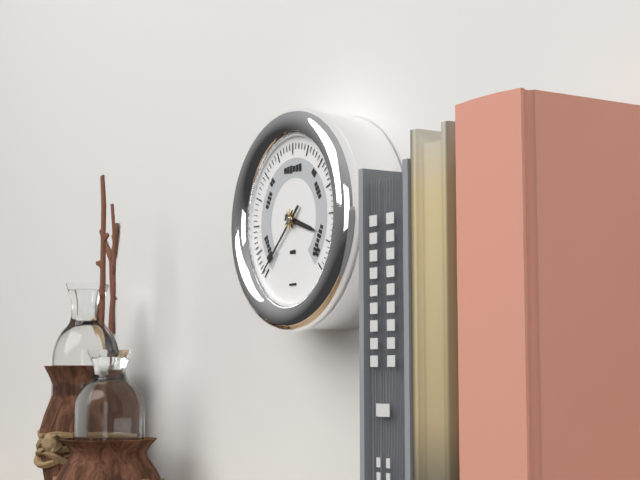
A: **3:38**
